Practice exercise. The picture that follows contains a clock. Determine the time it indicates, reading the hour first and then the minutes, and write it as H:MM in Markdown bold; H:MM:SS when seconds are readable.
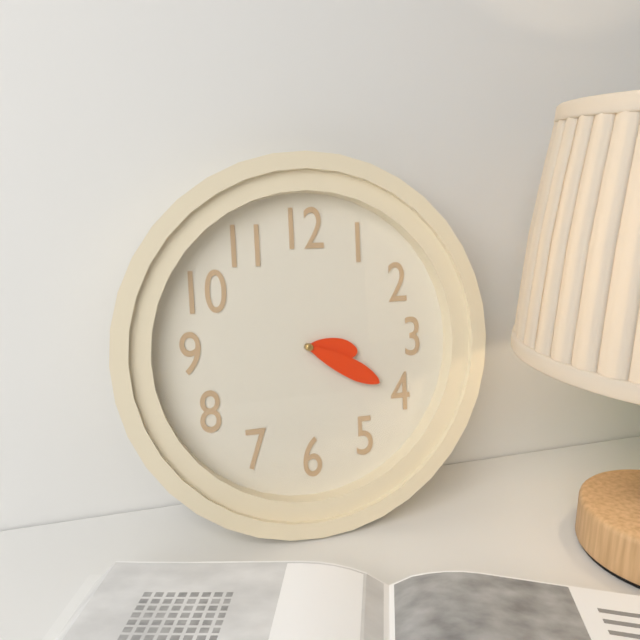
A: **3:20**
